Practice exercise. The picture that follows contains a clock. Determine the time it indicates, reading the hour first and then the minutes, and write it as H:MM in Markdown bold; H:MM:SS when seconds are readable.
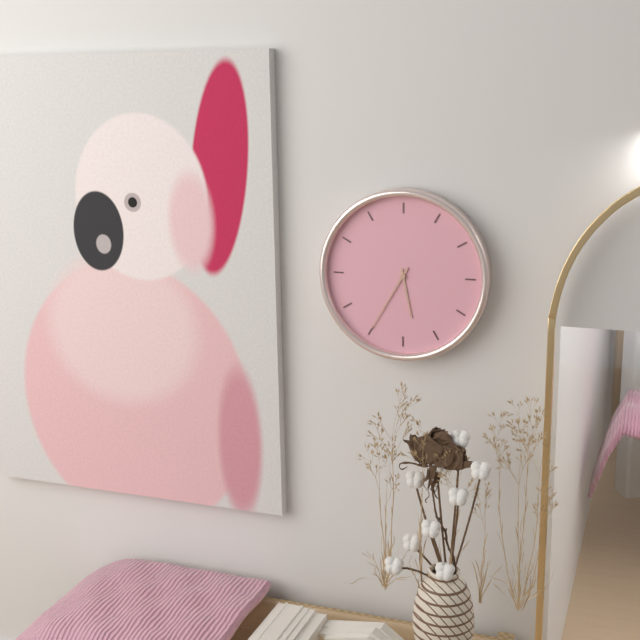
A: **5:35**
